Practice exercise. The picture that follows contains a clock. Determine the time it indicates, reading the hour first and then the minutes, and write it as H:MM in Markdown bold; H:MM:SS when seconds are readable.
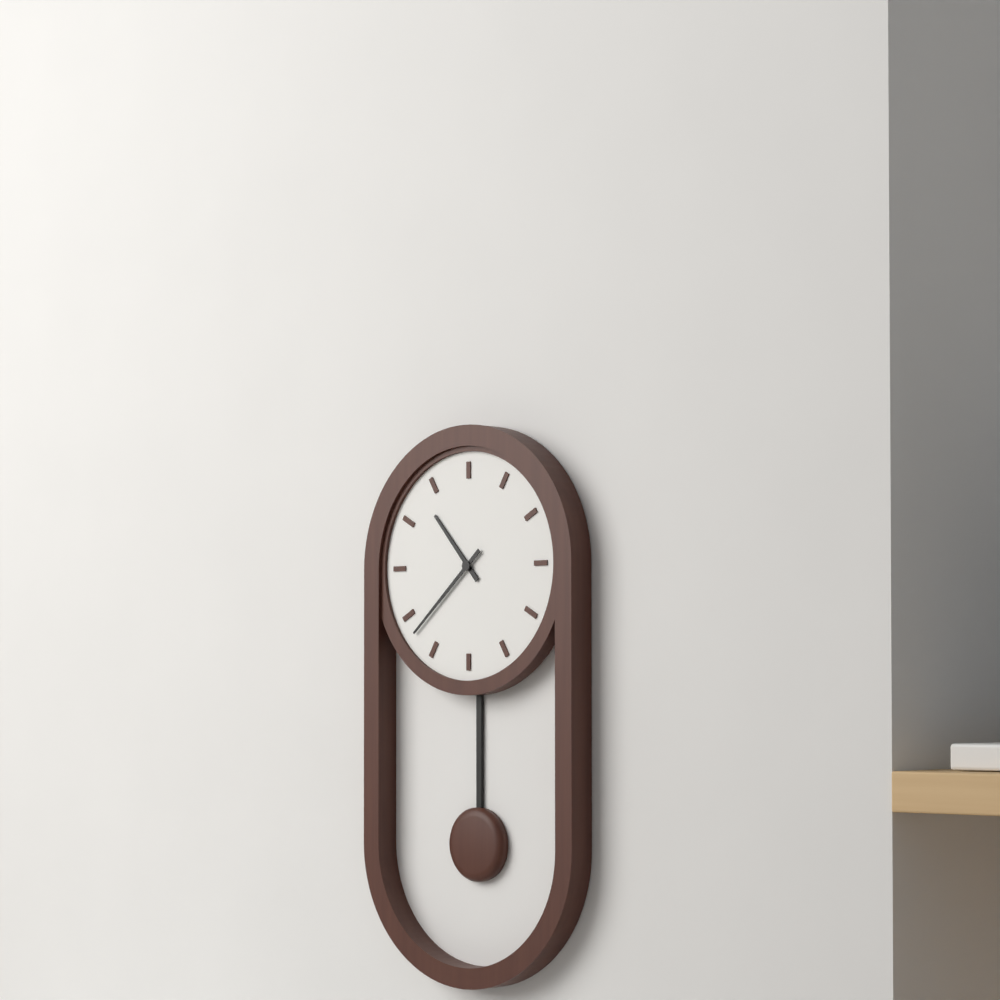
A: **10:38**
